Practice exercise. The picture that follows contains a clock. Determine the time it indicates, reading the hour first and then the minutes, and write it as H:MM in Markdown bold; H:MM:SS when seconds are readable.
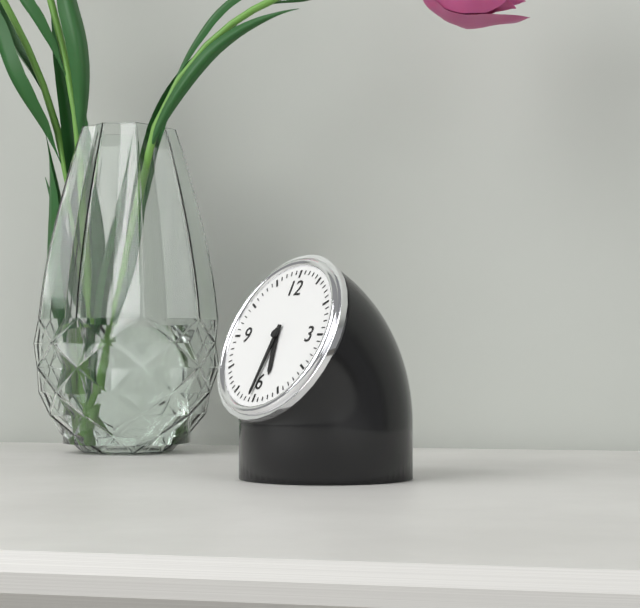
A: **5:31**
